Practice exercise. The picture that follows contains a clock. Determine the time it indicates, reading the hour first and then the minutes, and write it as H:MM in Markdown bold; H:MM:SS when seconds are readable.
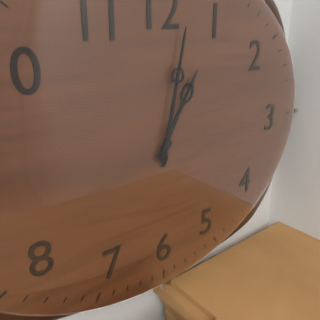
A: **1:02**
